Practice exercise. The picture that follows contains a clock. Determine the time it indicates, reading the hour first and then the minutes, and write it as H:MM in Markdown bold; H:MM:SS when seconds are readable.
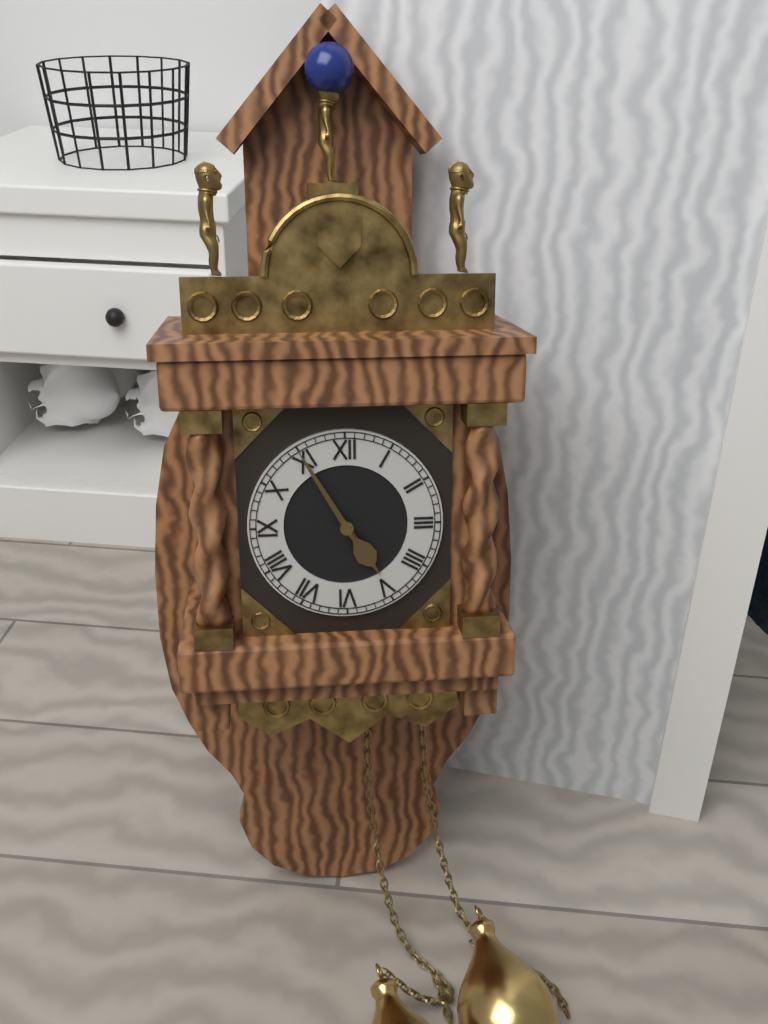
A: **4:55**
